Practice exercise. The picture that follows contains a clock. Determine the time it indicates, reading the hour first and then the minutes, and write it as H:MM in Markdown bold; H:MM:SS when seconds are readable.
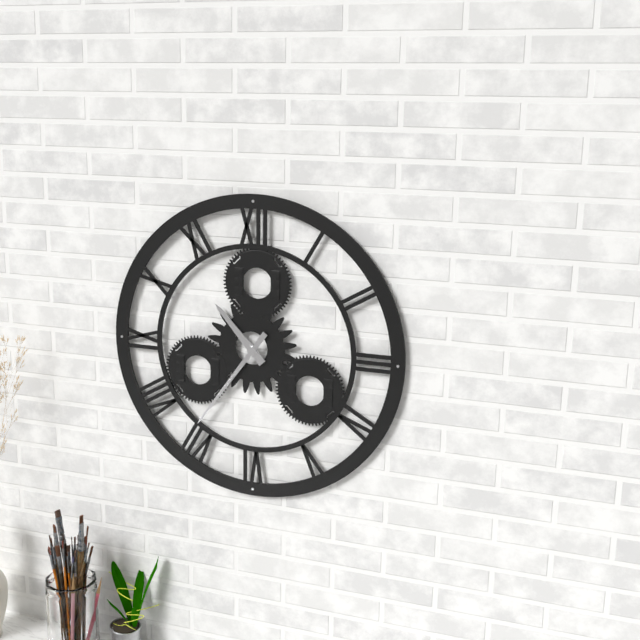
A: **10:36**
